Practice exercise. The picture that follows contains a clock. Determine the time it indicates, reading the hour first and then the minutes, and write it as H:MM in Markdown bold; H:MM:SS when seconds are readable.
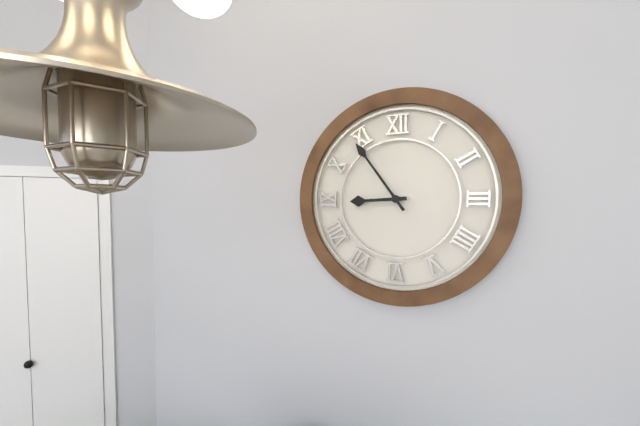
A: **8:54**
